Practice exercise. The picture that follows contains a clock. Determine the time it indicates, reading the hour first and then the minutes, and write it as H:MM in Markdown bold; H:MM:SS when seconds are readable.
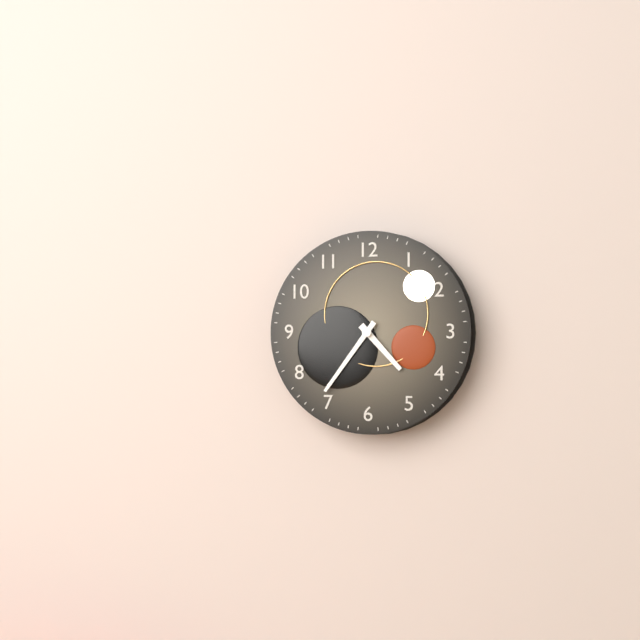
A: **4:36**
